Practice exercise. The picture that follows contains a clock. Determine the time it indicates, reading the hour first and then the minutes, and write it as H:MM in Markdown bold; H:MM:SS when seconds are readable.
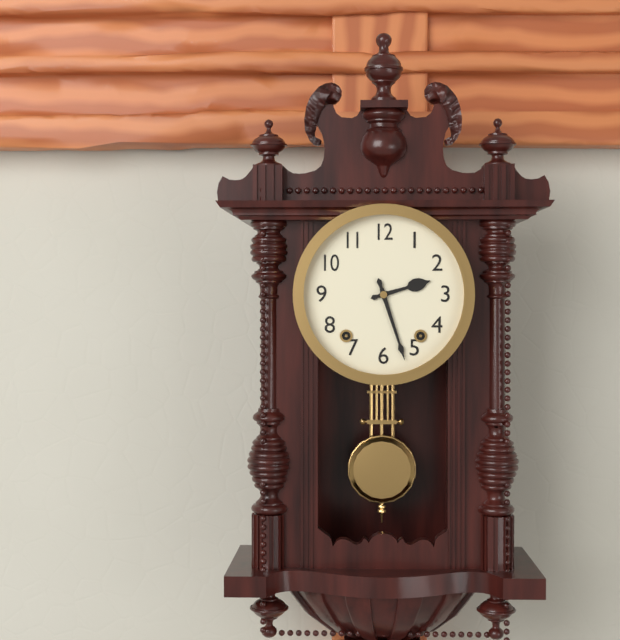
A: **2:27**
